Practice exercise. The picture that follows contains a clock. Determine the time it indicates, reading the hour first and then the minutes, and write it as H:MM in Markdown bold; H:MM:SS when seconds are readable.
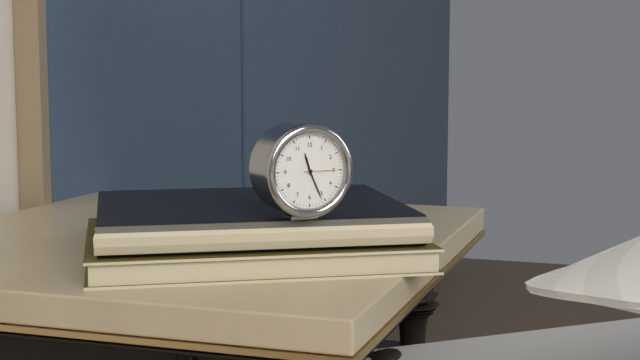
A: **11:26**
